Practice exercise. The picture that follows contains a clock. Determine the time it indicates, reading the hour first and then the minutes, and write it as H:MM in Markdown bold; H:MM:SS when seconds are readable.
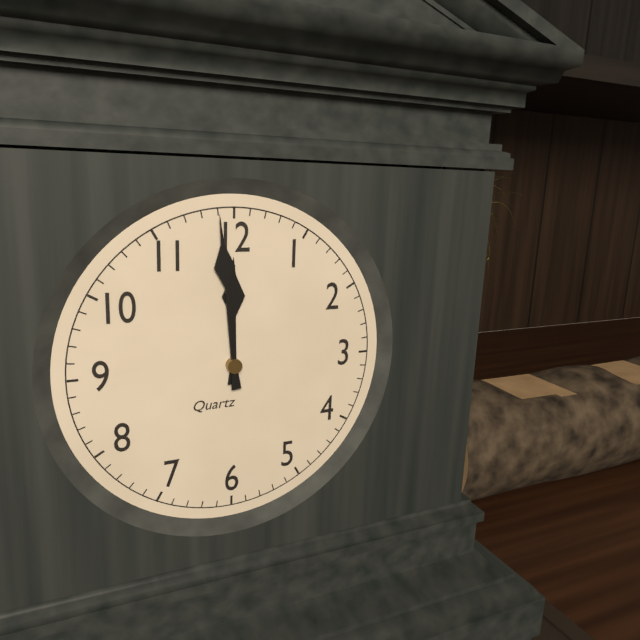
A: **11:59**
